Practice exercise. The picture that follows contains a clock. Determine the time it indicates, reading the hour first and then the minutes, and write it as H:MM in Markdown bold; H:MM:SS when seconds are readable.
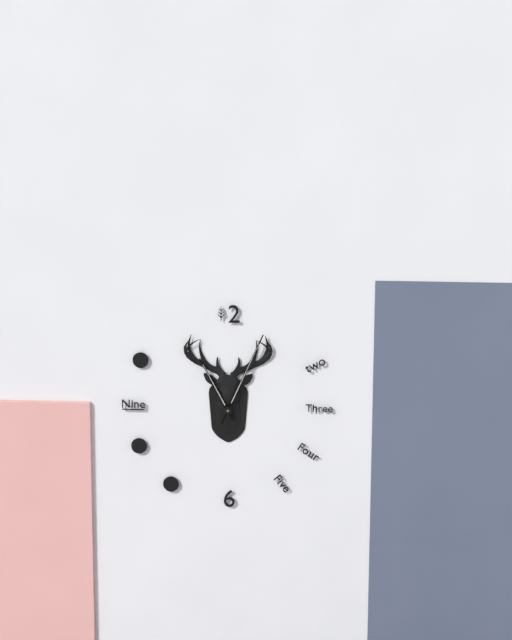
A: **11:04**
